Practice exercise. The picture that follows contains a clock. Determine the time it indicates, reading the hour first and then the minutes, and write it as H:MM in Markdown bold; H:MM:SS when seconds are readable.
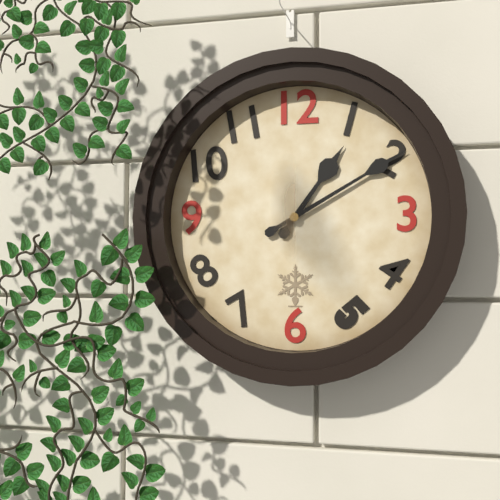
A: **1:10**
